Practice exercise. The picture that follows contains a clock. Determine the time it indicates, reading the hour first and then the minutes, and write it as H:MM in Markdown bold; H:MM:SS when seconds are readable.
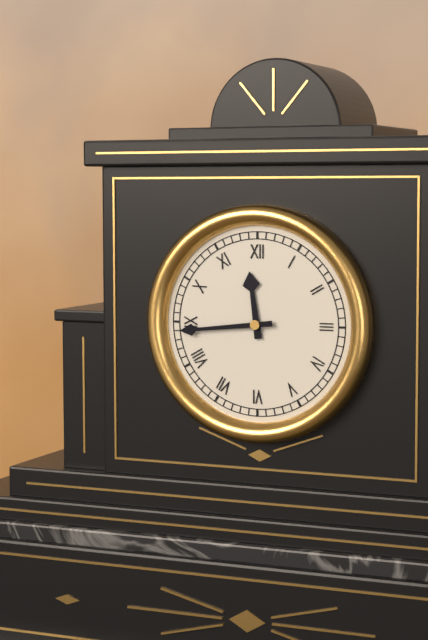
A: **11:44**
